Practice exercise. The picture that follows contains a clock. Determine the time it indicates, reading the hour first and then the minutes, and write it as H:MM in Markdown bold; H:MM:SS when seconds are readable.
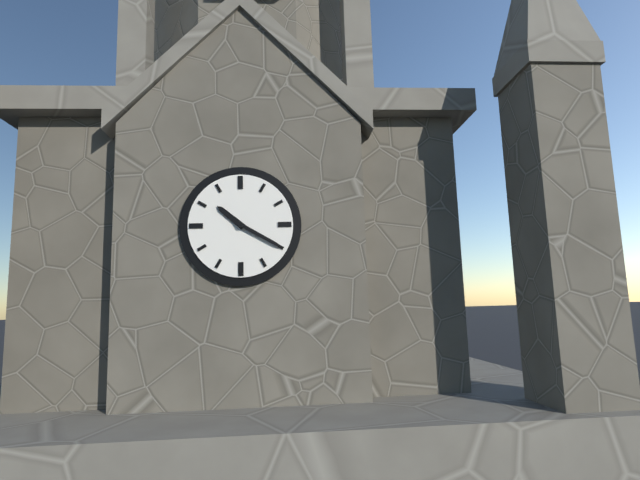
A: **10:20**
